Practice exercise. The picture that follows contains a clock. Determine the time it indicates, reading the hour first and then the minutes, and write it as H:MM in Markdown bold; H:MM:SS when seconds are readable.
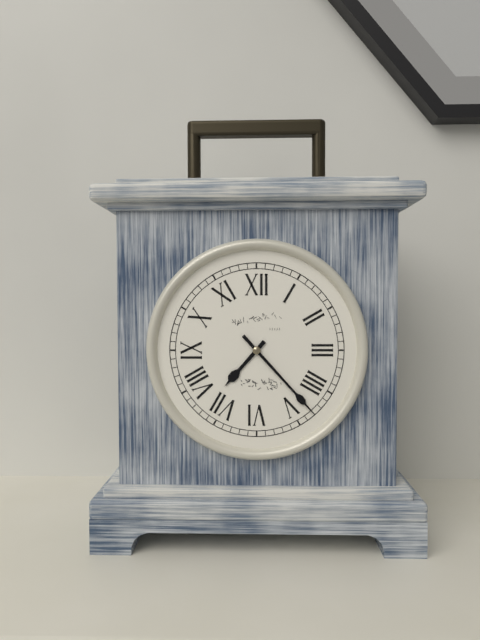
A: **7:23**
